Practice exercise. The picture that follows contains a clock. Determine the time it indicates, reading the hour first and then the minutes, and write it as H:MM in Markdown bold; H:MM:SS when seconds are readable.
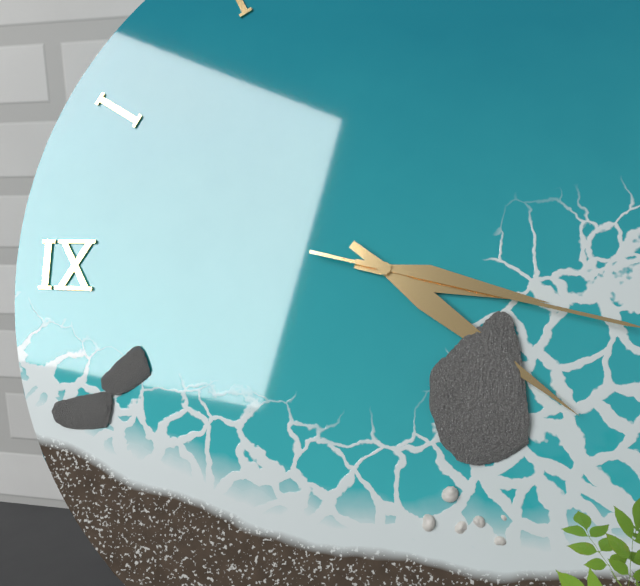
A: **3:21**
